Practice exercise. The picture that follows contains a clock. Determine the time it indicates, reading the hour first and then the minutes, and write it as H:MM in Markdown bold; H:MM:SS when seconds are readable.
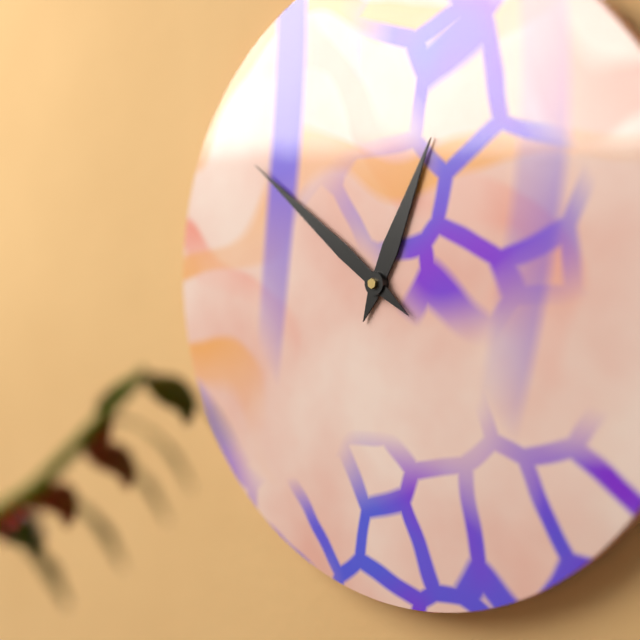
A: **12:51**
